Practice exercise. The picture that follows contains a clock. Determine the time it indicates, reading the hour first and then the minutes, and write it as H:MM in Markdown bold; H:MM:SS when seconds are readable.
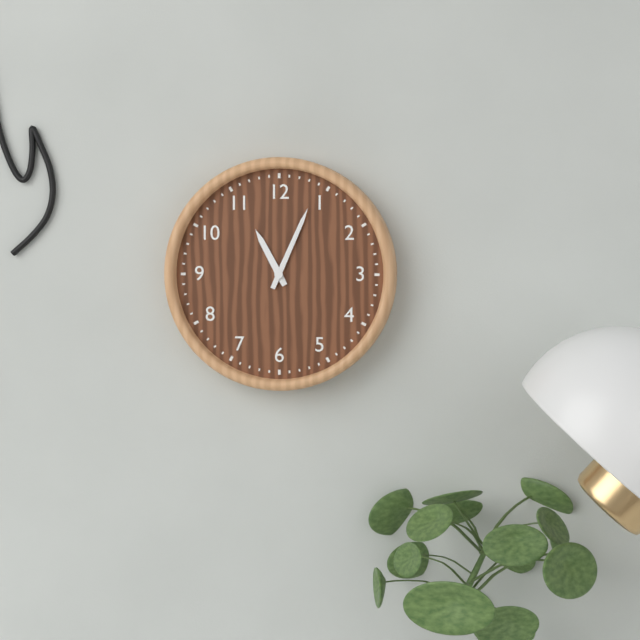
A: **11:04**
